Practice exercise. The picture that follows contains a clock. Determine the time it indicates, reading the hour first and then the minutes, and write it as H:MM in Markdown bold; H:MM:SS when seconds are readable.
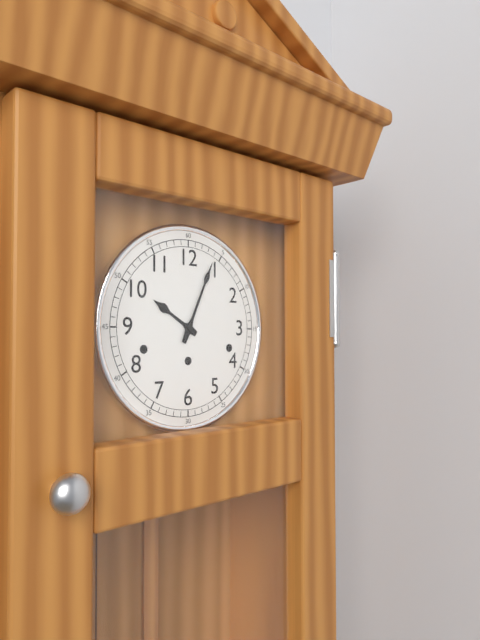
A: **10:04**
